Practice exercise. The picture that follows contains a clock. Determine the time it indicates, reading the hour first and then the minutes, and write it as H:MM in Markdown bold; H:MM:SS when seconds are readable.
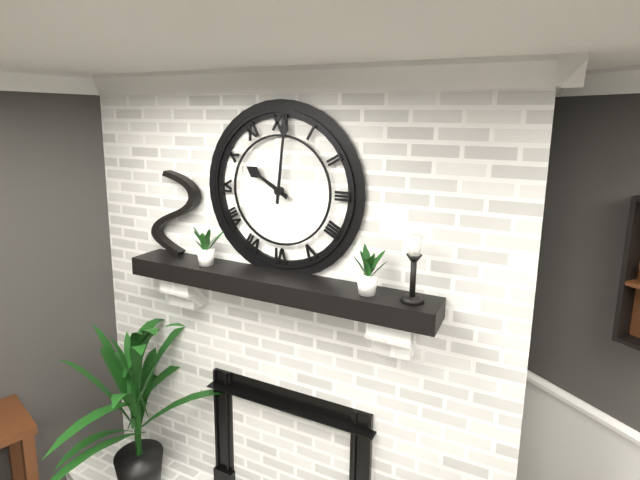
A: **10:01**
